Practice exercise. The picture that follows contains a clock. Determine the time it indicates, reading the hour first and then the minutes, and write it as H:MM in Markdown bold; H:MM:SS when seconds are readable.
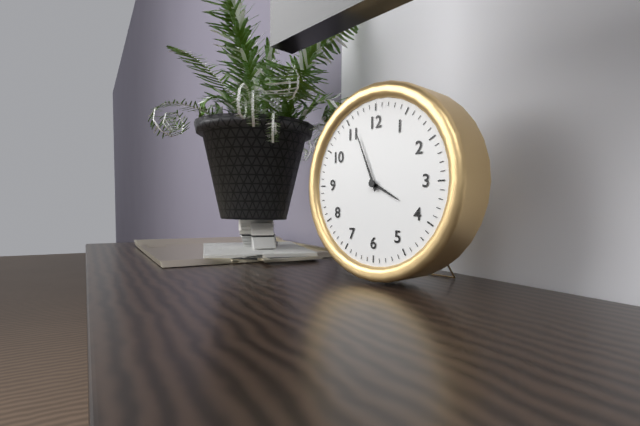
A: **3:56**
